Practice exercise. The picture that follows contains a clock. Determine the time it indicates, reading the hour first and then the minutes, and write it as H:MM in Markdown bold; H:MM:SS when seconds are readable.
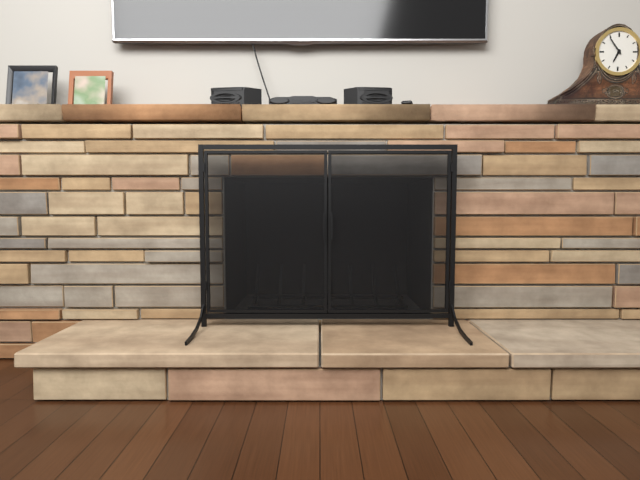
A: **6:54**
